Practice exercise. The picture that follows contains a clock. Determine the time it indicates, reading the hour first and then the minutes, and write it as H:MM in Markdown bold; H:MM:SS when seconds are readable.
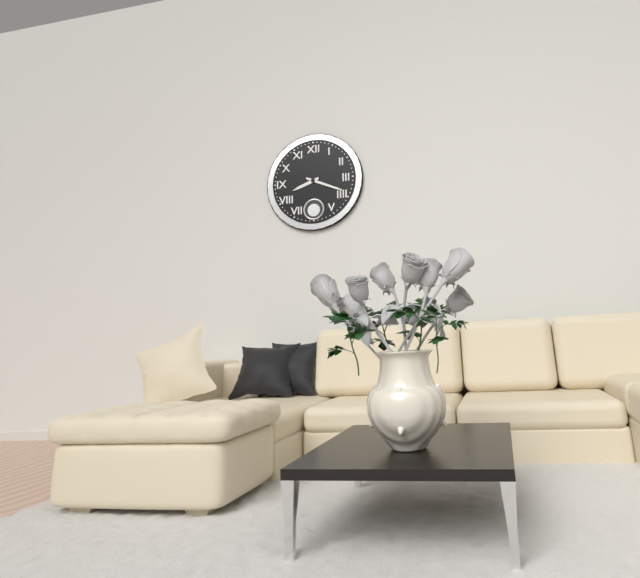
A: **8:19**
